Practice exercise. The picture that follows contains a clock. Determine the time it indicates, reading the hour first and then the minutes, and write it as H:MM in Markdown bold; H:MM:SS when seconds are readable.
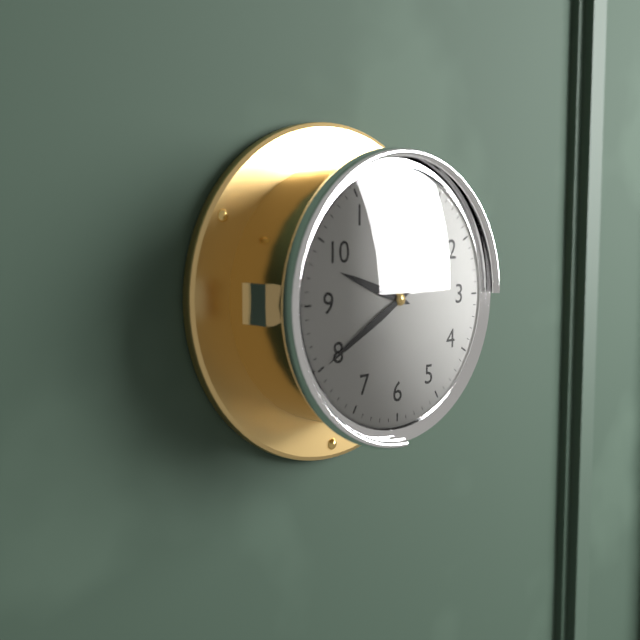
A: **9:40**
